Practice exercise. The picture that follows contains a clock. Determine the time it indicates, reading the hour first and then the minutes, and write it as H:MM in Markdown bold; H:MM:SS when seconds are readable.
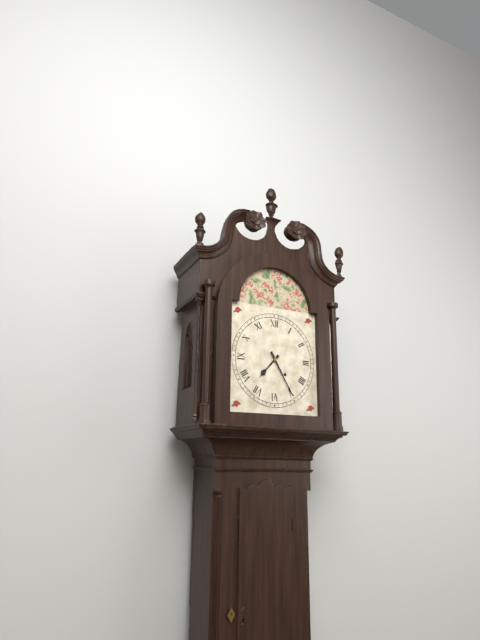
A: **7:25**
